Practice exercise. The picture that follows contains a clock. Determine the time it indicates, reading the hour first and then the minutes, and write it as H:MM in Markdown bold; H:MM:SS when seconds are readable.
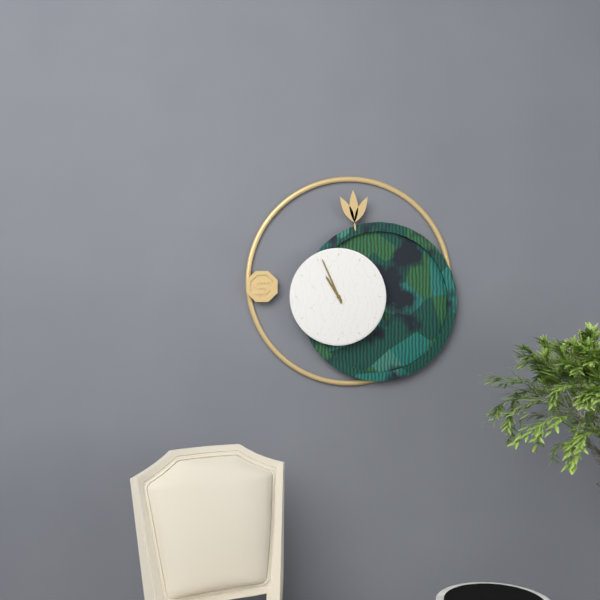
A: **10:56**
